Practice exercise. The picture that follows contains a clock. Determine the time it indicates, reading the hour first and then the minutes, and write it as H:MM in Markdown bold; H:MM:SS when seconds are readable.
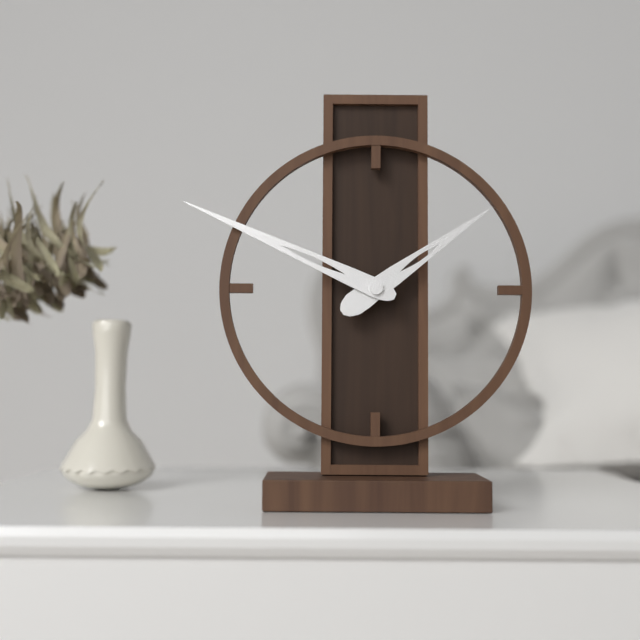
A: **1:49**
